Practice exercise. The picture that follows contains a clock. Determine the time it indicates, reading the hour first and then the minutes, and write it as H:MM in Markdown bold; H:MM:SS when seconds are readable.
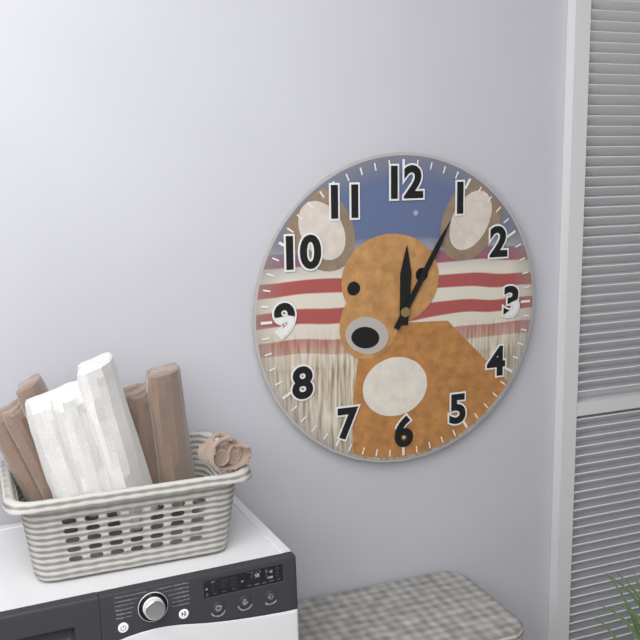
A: **12:05**
